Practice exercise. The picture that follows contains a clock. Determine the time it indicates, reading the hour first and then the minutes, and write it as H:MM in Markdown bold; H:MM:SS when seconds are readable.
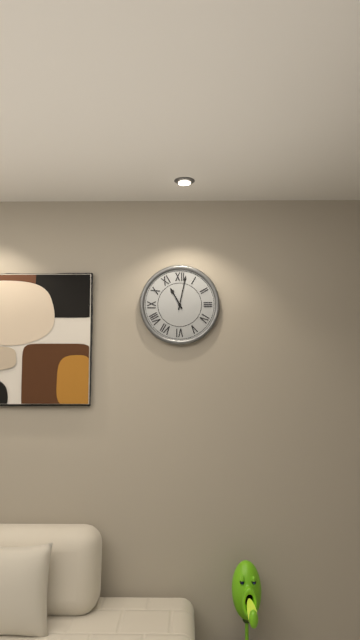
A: **11:02**
